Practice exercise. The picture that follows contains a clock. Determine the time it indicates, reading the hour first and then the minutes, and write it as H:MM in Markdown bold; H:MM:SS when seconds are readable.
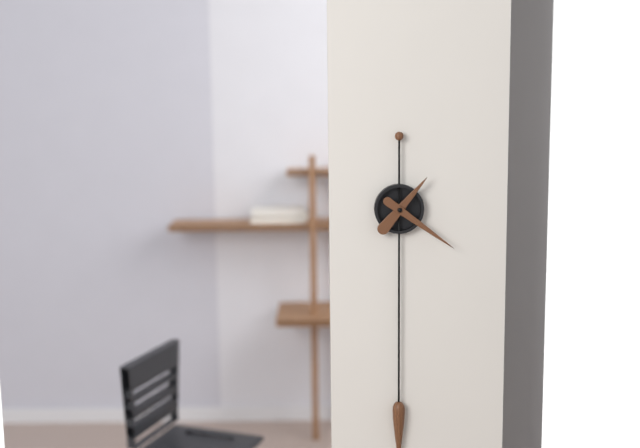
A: **1:21**
